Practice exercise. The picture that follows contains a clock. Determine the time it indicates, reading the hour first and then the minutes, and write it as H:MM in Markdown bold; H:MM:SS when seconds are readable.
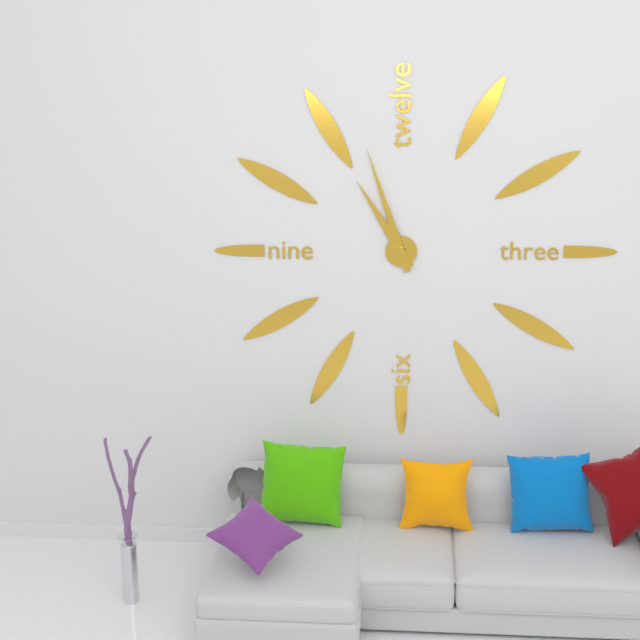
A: **10:57**
